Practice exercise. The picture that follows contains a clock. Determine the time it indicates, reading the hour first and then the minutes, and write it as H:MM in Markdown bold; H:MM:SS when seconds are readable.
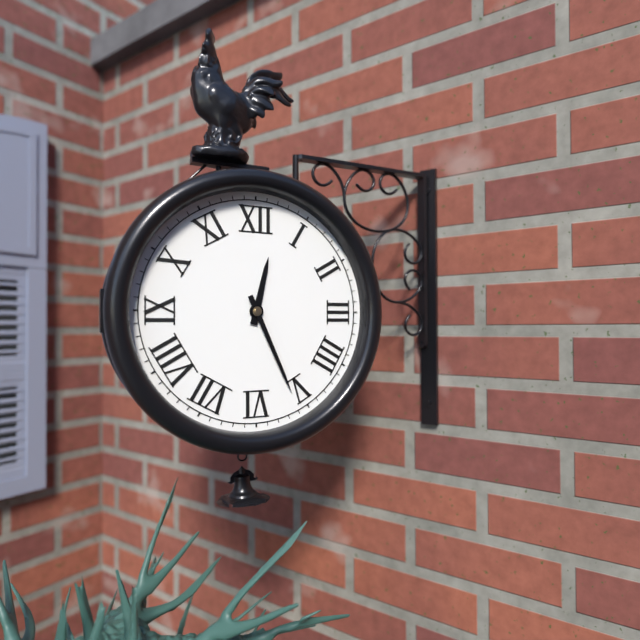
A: **12:26**
